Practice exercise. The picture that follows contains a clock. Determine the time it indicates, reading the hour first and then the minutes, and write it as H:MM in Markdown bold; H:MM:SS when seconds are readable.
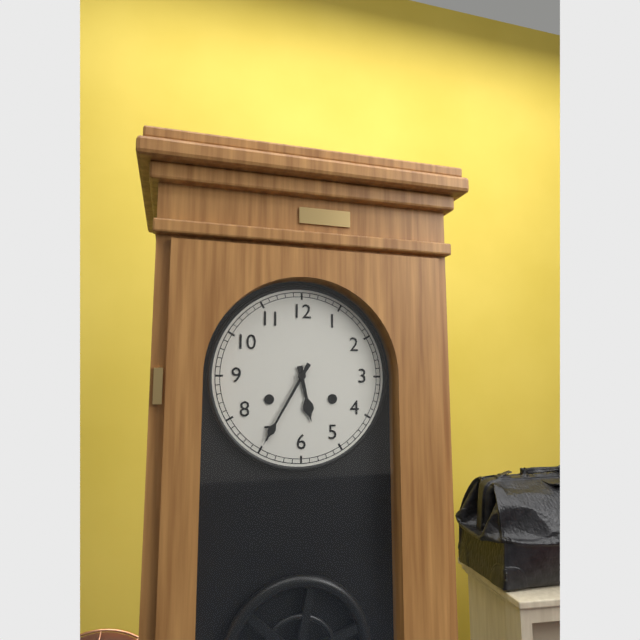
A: **5:35**
